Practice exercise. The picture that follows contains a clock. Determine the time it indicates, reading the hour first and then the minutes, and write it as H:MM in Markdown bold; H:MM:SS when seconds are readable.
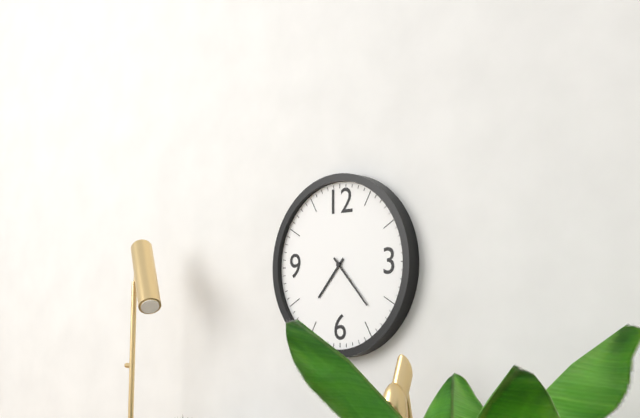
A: **7:23**
